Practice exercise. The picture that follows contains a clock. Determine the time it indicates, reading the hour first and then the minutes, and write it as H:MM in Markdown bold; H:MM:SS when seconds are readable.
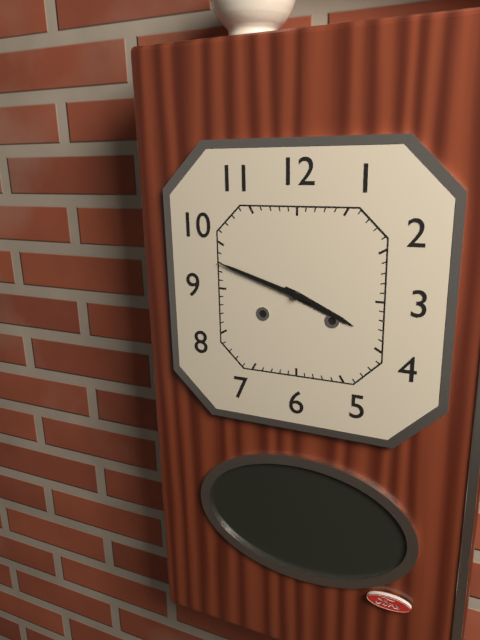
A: **3:48**
